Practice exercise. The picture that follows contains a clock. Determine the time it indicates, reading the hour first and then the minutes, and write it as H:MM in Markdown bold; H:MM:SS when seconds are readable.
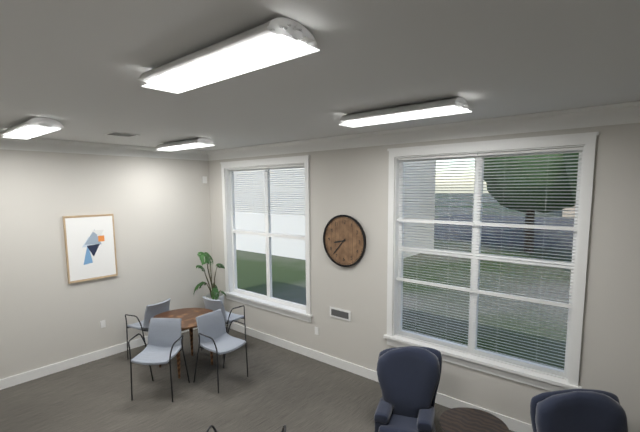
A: **8:37**
